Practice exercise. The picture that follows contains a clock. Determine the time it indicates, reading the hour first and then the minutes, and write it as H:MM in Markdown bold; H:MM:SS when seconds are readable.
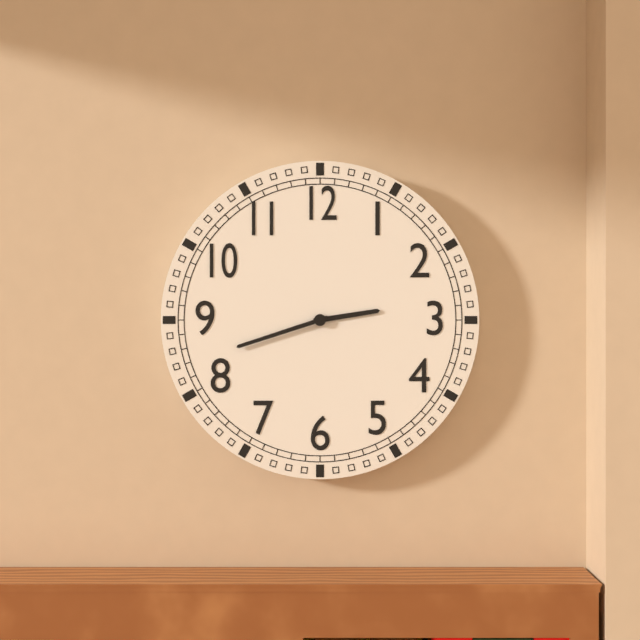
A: **2:42**
